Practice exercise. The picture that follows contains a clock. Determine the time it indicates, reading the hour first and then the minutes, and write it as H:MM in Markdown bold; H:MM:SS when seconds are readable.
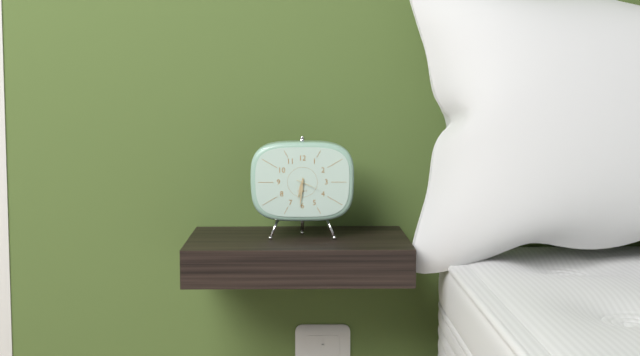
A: **6:31**
